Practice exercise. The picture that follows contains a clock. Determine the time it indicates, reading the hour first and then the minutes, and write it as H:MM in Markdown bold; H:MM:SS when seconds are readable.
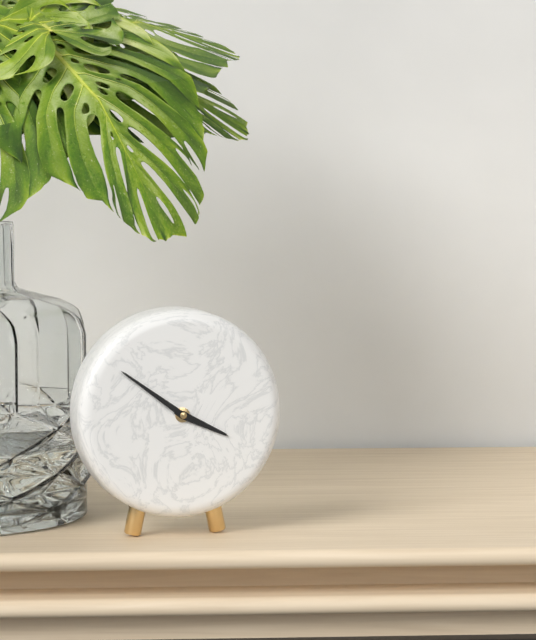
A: **3:51**
